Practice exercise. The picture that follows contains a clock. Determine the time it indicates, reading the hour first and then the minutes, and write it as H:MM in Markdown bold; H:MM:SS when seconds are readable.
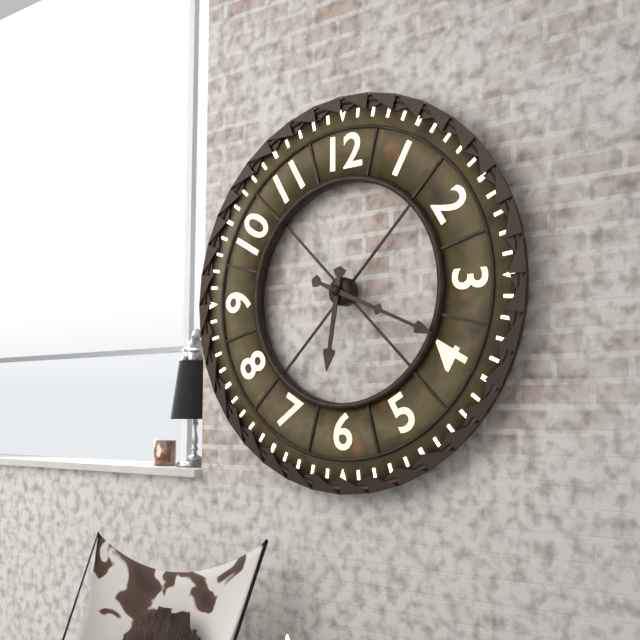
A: **6:19**
